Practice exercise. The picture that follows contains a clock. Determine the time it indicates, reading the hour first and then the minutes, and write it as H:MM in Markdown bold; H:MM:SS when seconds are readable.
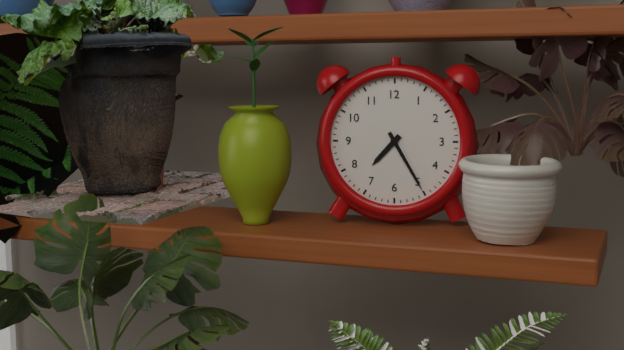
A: **7:25**
